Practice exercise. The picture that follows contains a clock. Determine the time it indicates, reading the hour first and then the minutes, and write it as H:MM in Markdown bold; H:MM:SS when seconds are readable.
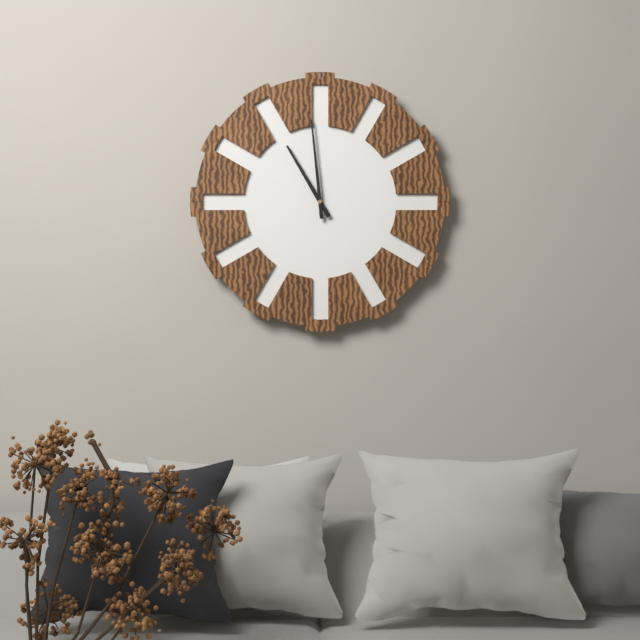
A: **10:59**
